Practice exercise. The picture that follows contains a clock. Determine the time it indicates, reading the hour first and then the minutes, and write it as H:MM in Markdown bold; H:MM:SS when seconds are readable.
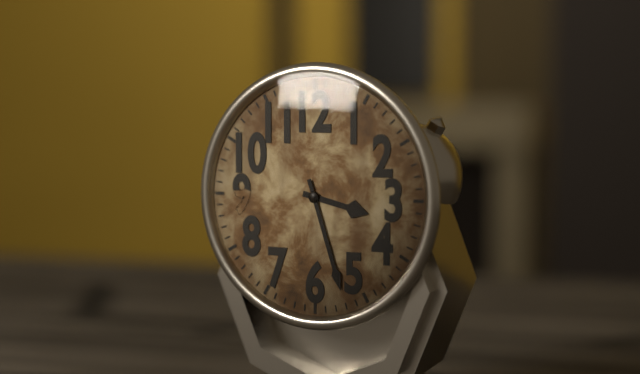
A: **3:27**
